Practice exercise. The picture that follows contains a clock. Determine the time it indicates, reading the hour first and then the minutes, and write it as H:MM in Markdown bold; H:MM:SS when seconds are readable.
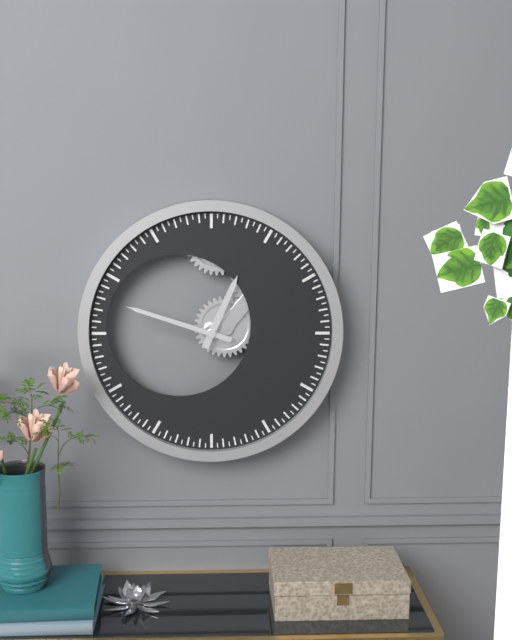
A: **12:48**
